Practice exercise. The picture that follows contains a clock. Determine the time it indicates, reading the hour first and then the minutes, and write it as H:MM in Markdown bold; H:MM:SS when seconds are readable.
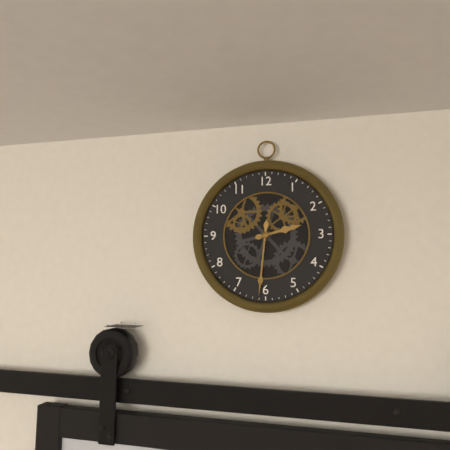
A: **2:31**
